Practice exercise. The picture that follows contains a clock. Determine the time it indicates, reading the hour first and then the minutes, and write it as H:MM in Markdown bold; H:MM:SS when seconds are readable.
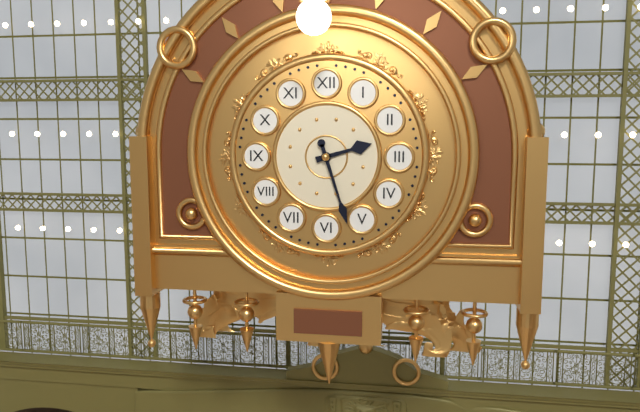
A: **2:27**
